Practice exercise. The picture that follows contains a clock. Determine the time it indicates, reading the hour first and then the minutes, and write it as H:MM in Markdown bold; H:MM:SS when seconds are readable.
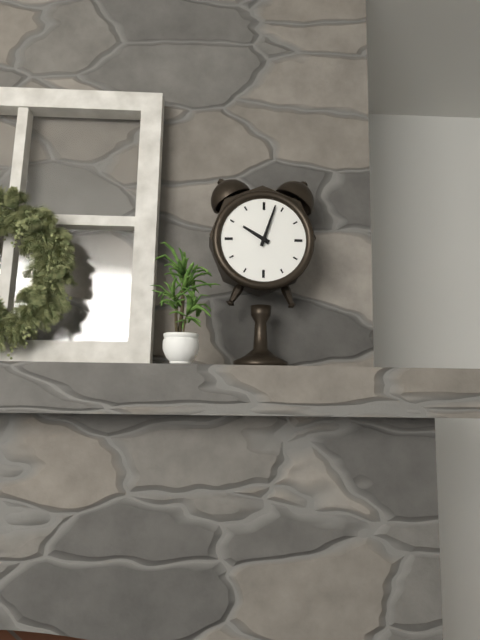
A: **10:03**
